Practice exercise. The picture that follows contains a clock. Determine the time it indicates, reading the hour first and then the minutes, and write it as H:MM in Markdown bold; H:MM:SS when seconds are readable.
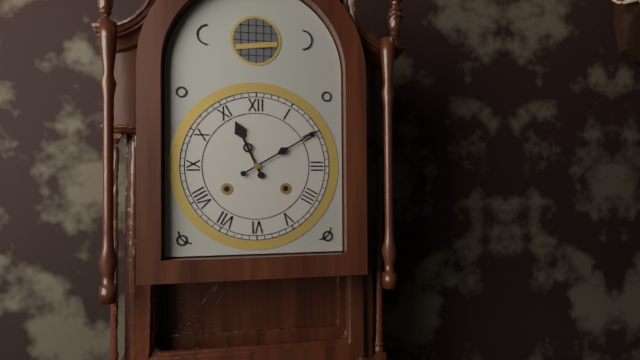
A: **11:10**
